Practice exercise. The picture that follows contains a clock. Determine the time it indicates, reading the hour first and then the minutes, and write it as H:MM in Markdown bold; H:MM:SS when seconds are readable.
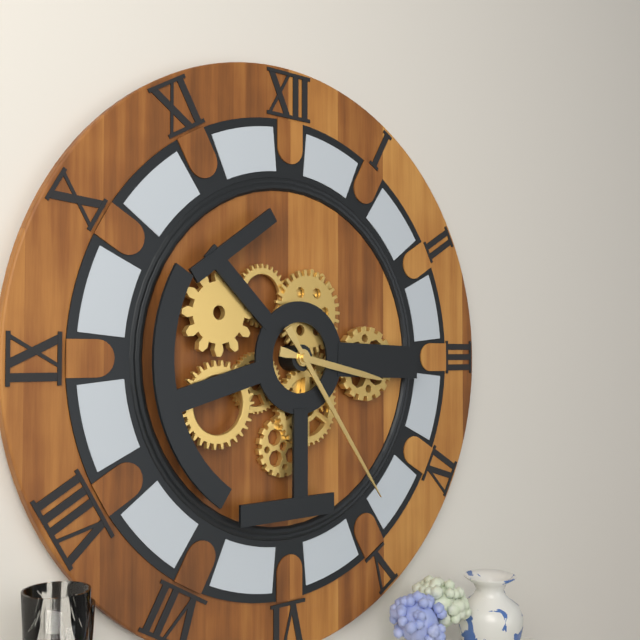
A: **3:24**
